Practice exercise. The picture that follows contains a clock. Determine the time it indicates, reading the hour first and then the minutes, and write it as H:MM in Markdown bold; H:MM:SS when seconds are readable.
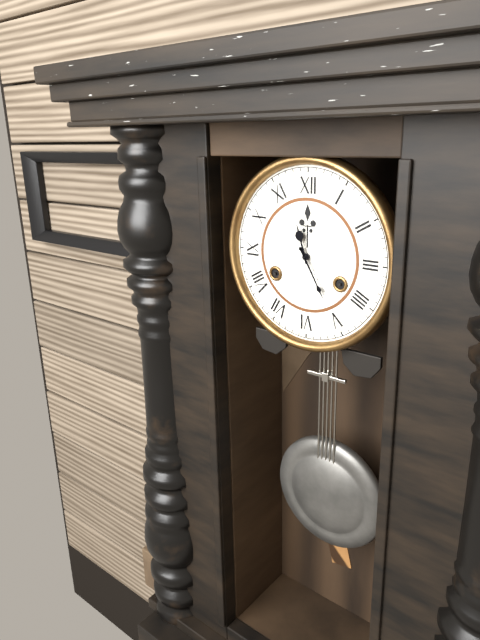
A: **11:25**
